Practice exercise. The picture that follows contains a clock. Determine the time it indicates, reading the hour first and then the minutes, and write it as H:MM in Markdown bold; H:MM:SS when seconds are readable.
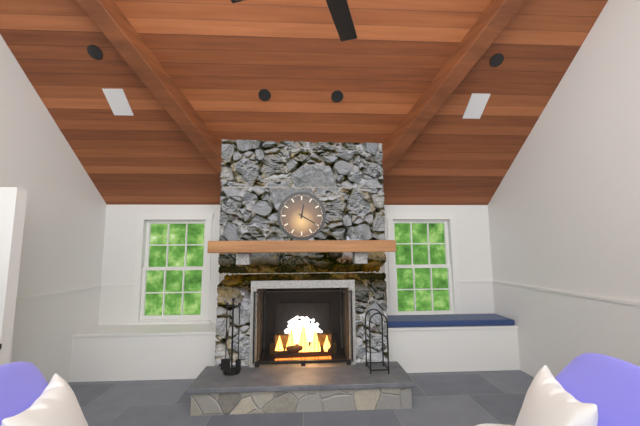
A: **12:20**
